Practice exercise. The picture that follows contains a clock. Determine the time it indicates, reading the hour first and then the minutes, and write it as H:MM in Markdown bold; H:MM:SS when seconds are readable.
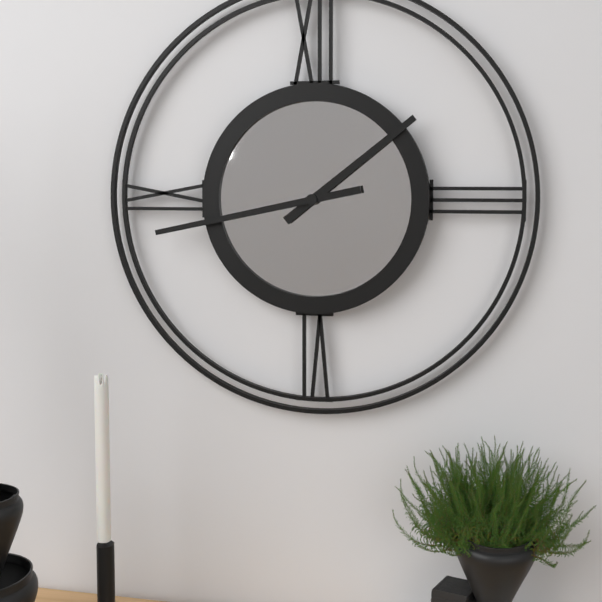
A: **1:43**
